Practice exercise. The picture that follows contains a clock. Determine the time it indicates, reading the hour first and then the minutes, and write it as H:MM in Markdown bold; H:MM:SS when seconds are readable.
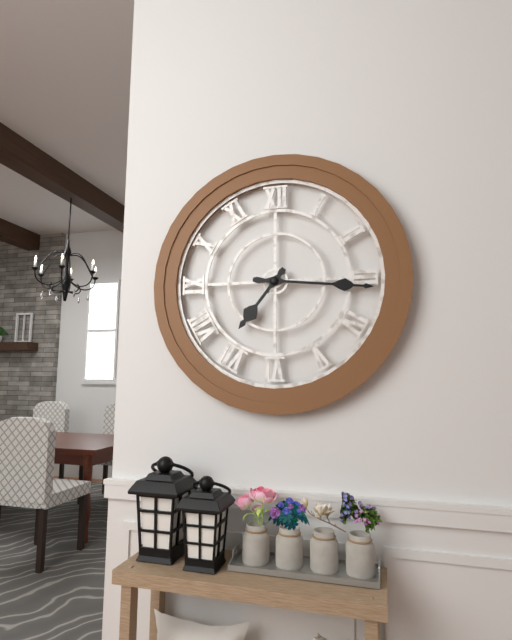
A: **7:16**
